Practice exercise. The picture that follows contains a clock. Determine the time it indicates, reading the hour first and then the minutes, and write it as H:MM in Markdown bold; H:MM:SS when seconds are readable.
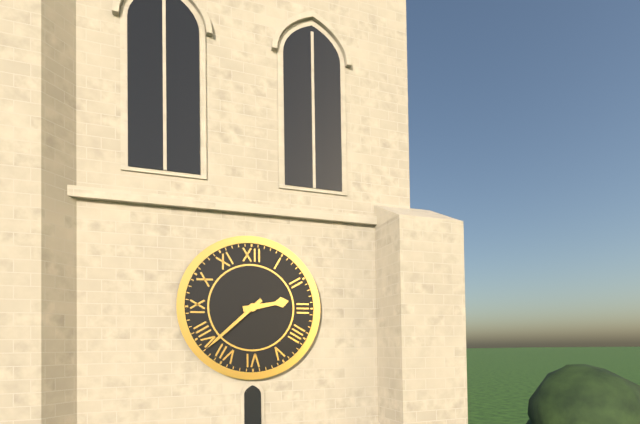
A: **2:38**
